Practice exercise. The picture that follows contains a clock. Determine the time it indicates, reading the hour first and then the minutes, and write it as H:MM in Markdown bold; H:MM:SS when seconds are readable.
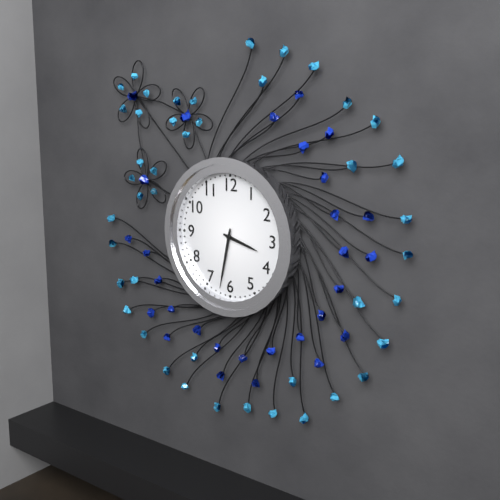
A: **3:32**
